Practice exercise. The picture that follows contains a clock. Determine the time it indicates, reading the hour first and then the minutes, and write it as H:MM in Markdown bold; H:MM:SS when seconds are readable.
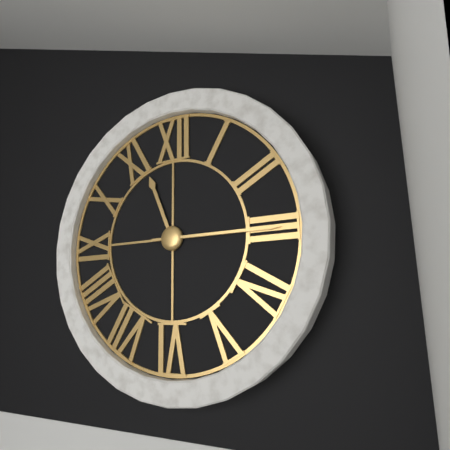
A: **11:15**
